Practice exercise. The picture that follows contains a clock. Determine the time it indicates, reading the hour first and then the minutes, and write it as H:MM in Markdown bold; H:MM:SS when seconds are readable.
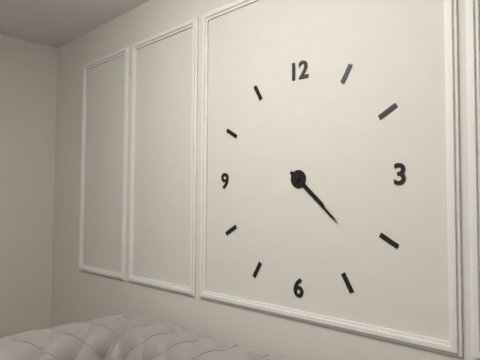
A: **4:22**
